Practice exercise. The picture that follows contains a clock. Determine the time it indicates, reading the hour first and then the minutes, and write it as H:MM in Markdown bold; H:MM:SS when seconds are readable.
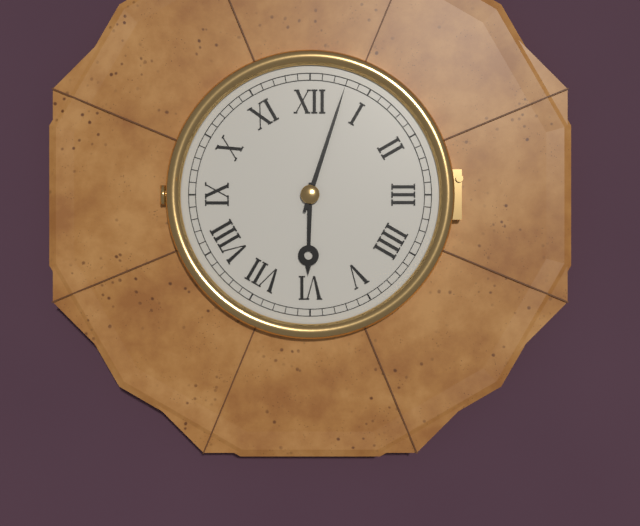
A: **6:03**
